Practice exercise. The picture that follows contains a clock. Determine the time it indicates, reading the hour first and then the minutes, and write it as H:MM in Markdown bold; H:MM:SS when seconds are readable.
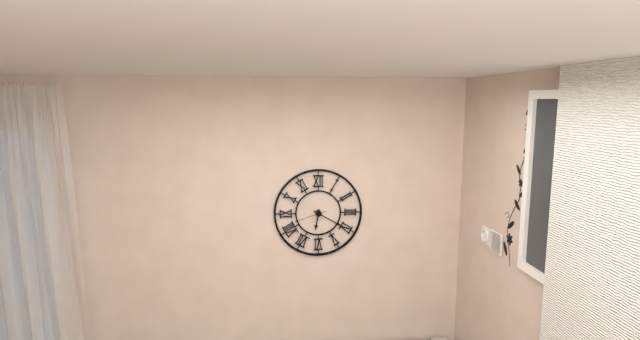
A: **6:20**
